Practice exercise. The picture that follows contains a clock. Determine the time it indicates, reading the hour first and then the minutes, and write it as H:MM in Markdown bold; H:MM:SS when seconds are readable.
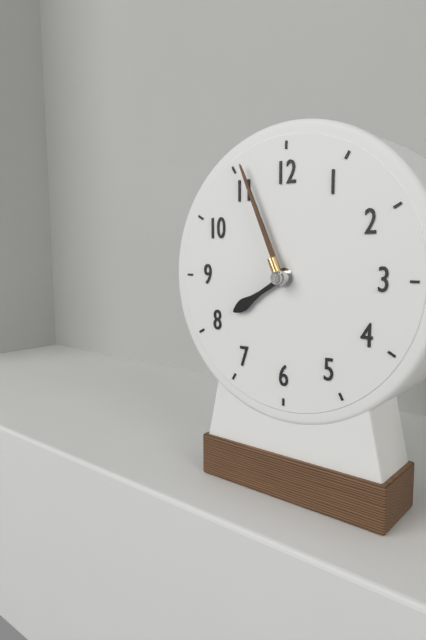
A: **7:56**
